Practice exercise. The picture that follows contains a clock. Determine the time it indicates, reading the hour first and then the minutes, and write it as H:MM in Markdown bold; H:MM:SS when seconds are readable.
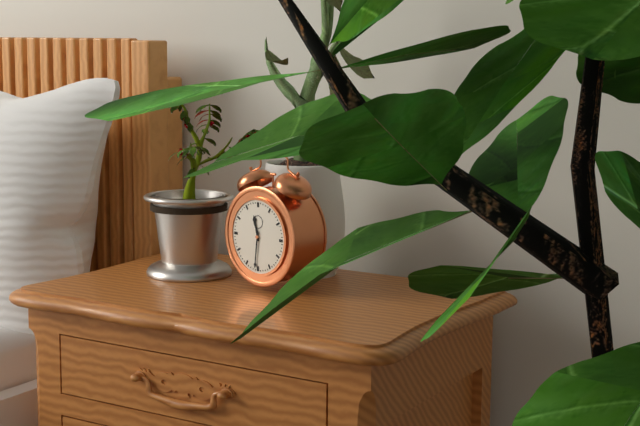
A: **11:31**
